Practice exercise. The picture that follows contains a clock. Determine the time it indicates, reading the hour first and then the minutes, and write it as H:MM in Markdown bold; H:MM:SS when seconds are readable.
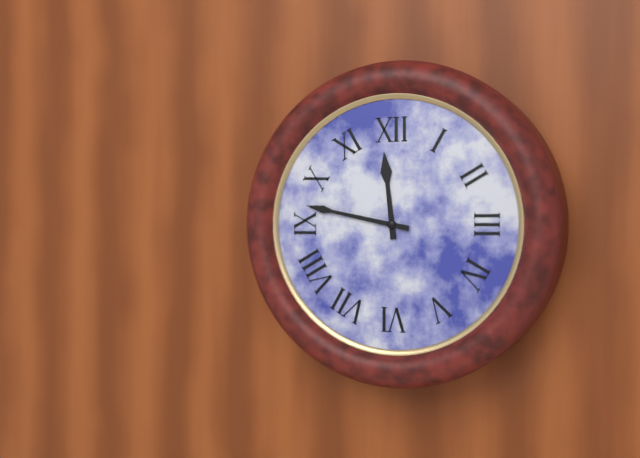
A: **11:47**
